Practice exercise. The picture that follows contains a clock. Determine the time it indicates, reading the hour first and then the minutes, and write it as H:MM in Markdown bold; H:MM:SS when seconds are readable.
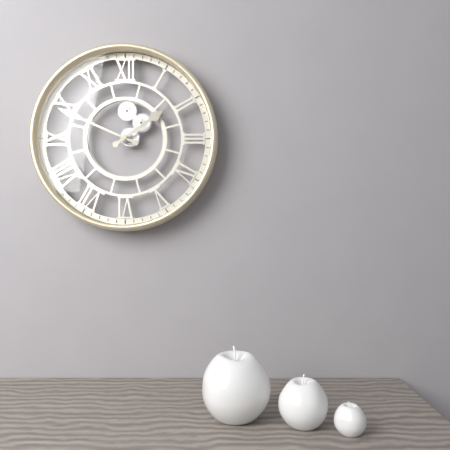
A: **1:49**
